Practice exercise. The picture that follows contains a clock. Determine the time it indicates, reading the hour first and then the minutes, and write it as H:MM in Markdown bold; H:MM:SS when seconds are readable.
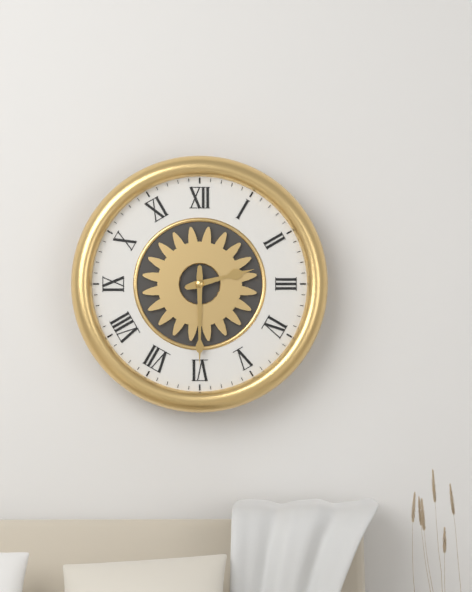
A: **2:30**
